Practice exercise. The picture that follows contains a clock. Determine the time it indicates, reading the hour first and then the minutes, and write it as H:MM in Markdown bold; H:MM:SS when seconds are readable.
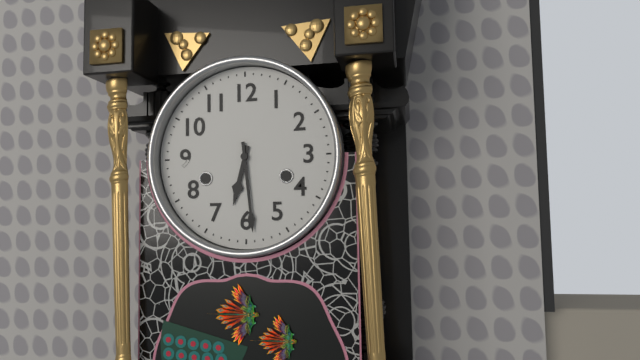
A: **6:29**
